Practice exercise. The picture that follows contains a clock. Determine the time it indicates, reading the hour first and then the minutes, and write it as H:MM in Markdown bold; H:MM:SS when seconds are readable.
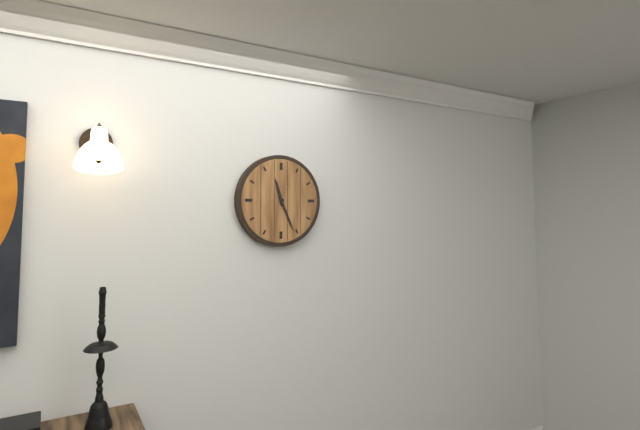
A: **11:26**
